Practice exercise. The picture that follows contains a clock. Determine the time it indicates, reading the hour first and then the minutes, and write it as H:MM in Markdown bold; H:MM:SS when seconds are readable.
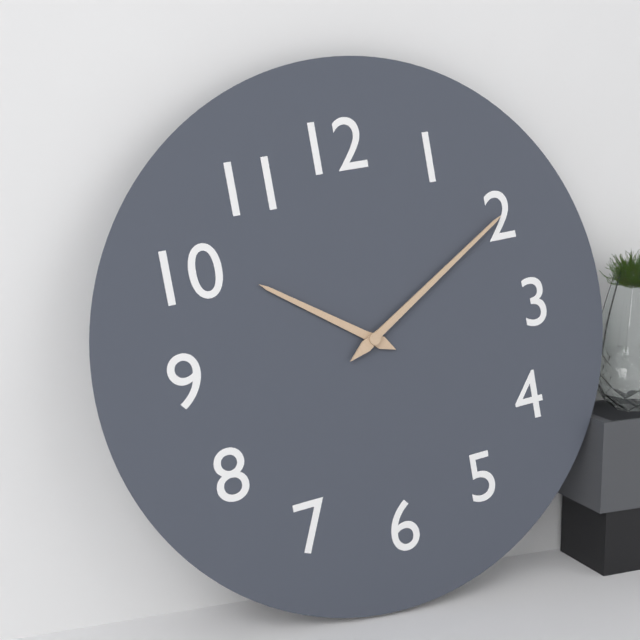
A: **10:10**
